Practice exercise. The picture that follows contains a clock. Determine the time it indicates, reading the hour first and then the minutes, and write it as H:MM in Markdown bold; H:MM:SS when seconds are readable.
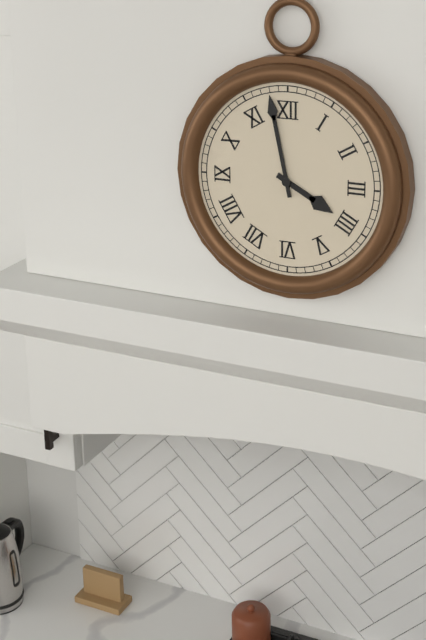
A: **3:58**
